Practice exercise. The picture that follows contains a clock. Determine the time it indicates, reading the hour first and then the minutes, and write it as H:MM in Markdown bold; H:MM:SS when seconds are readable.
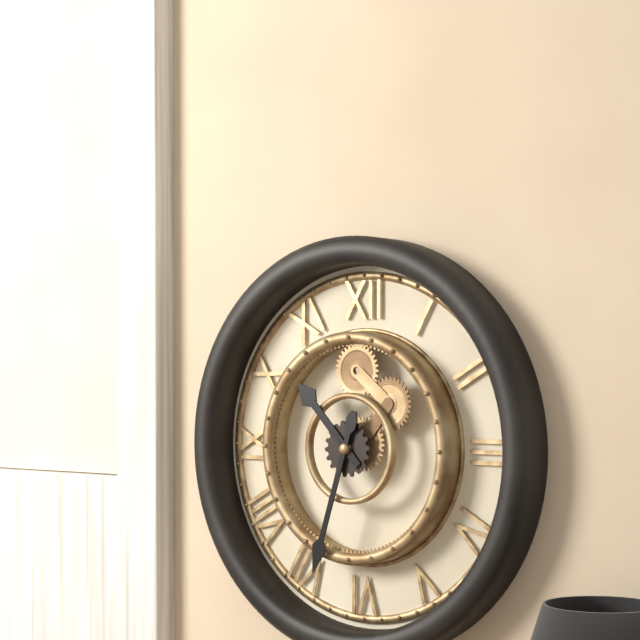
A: **10:33**
